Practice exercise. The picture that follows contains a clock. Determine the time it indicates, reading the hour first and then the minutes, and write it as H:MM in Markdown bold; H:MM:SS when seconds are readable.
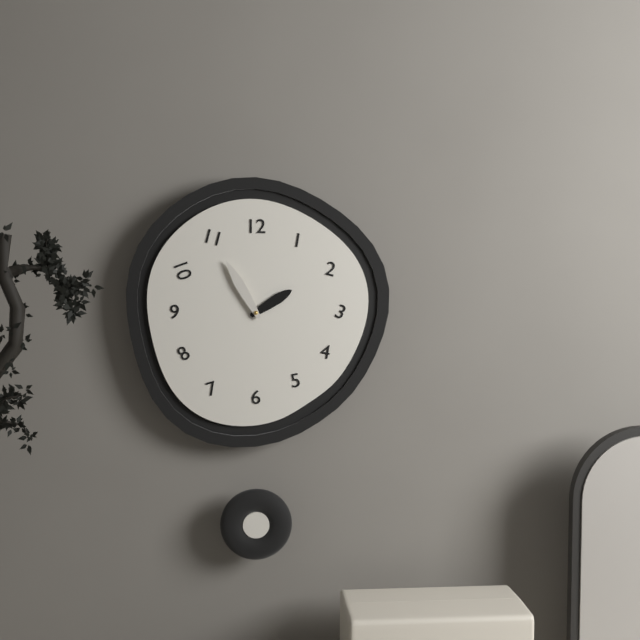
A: **1:55**
